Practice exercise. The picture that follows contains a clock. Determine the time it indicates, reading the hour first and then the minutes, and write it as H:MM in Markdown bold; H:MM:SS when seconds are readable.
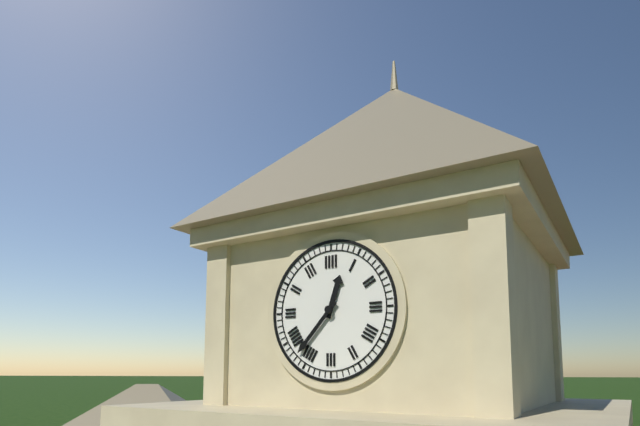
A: **12:37**
